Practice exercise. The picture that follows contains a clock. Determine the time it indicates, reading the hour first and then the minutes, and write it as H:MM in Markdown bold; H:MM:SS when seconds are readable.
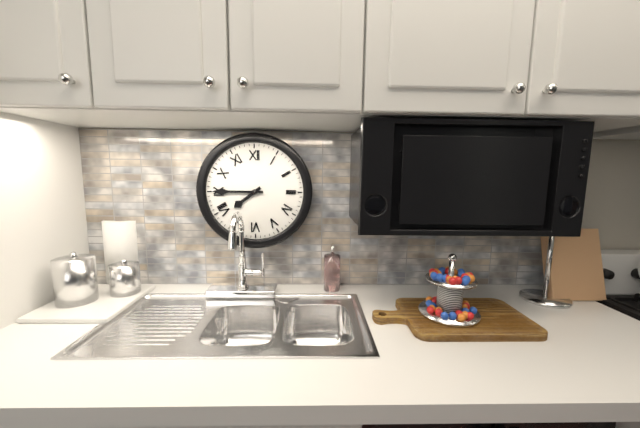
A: **7:45**
